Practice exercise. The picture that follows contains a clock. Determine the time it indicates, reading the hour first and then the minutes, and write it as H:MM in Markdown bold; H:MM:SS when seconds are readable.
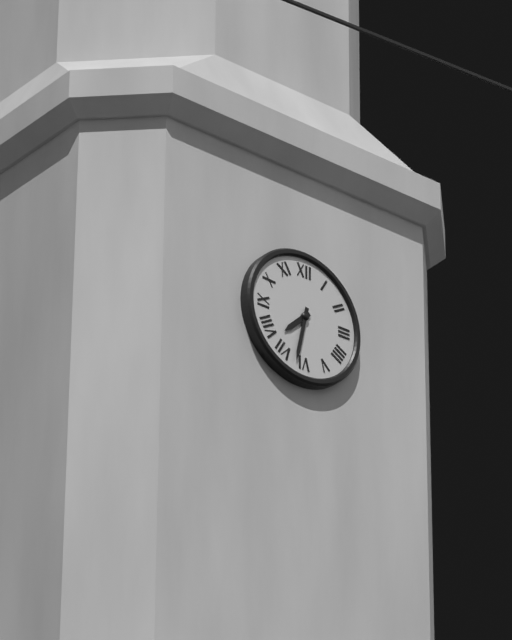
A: **7:32**
